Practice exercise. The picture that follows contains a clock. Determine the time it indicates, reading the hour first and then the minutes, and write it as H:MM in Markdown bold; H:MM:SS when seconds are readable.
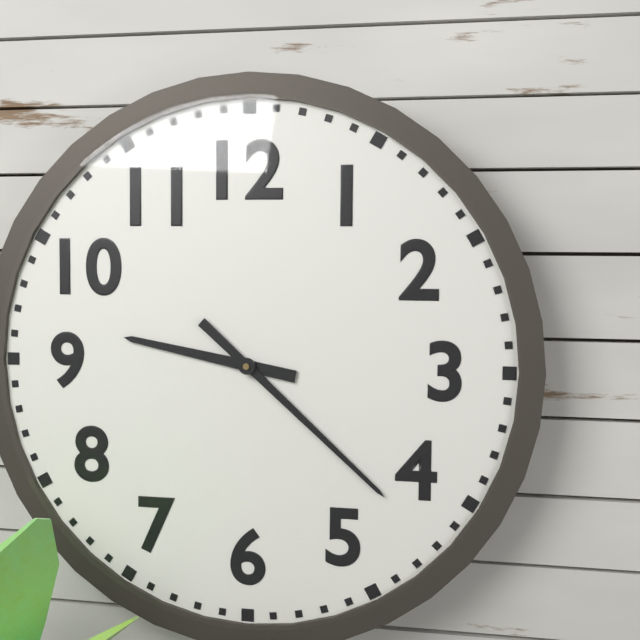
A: **9:22**
